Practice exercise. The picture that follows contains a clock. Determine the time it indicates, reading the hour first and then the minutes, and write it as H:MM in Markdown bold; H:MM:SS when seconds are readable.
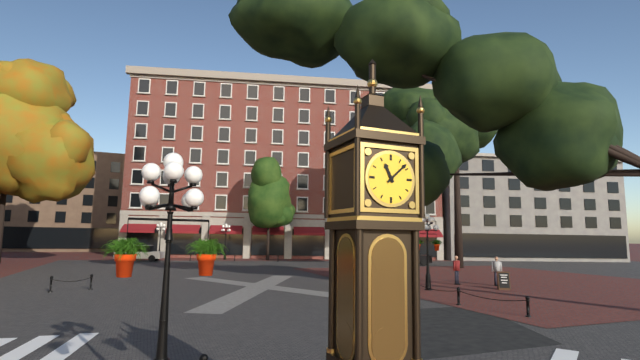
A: **11:08**
